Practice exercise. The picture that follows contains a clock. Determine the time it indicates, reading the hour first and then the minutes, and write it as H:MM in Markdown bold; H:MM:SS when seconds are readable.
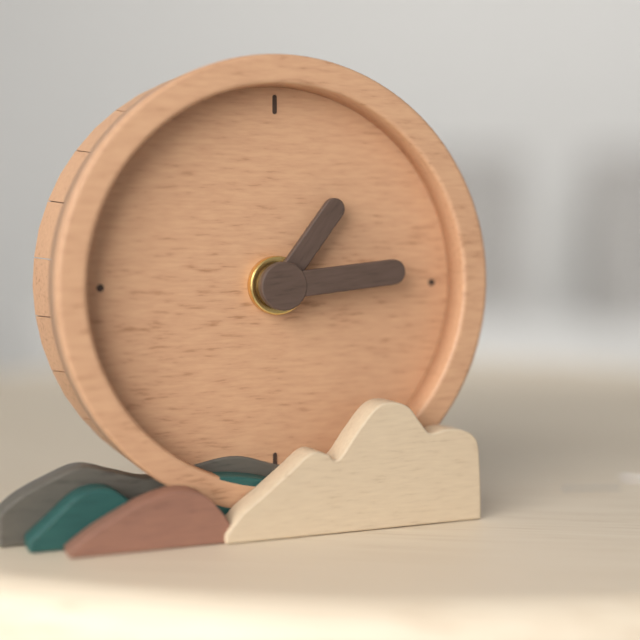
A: **1:14**
